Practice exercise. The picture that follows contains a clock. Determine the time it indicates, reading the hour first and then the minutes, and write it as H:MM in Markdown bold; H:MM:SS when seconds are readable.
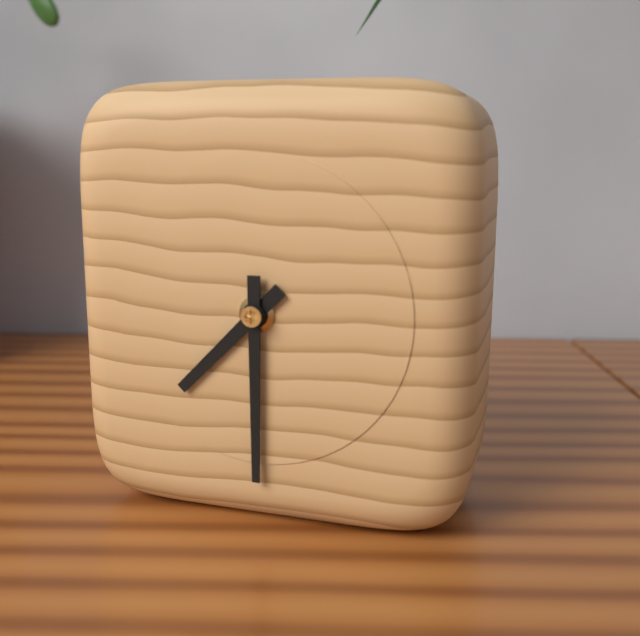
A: **7:30**
